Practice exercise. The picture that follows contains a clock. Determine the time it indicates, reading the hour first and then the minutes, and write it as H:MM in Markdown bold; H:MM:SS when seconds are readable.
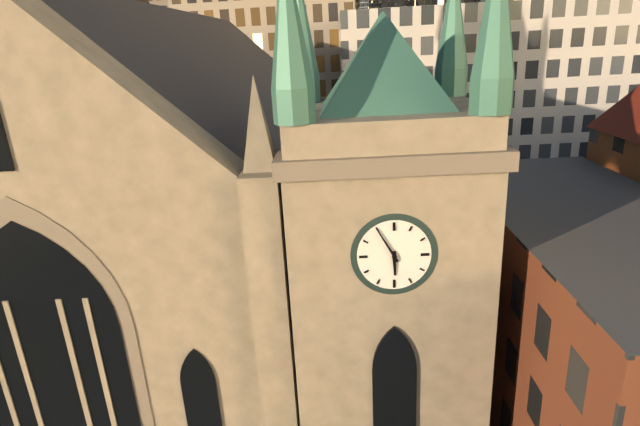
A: **5:55**
